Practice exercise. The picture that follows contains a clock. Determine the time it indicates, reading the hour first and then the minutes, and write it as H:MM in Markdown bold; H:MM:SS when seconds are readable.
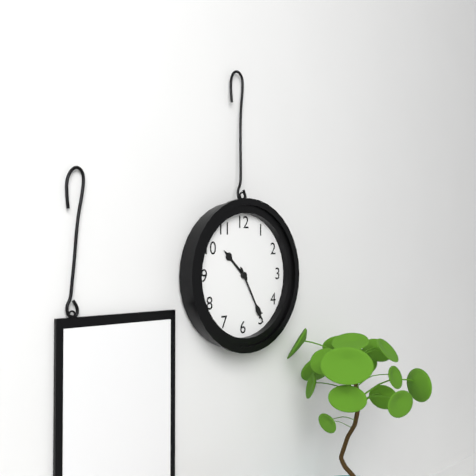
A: **10:25**
